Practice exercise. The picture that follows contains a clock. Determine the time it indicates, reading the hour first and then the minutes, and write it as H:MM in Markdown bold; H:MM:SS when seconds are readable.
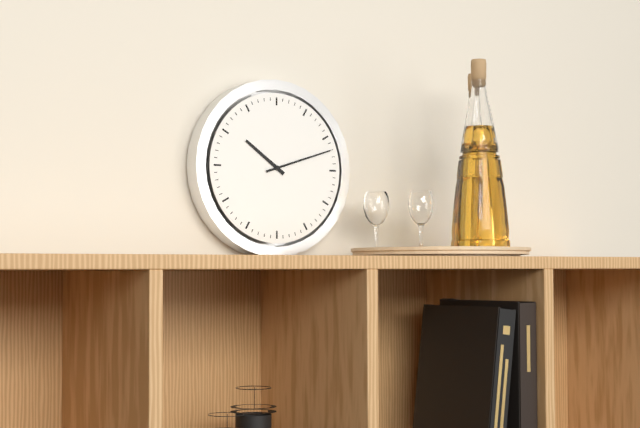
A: **10:12**
